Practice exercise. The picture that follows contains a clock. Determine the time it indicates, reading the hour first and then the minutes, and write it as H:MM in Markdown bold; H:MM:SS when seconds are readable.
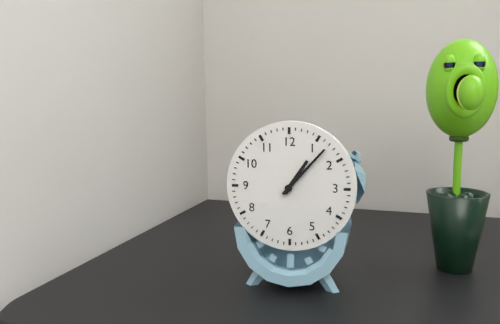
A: **1:07**
